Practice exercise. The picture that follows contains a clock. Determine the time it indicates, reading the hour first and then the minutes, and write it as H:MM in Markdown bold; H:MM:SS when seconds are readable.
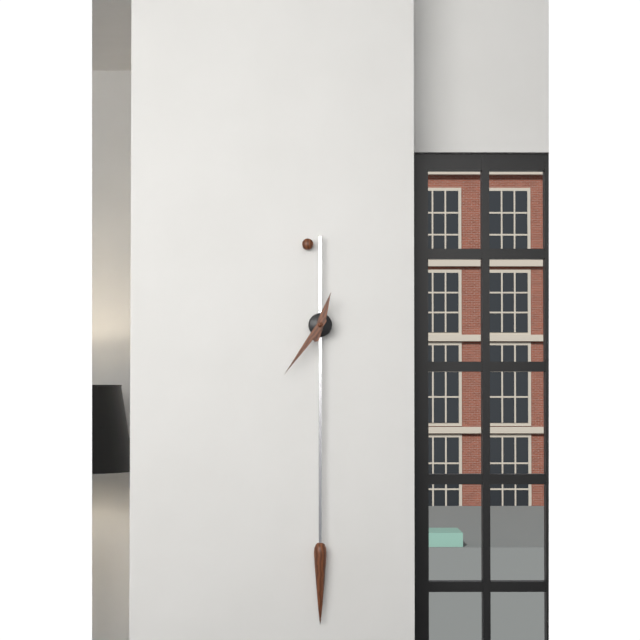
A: **12:36**
